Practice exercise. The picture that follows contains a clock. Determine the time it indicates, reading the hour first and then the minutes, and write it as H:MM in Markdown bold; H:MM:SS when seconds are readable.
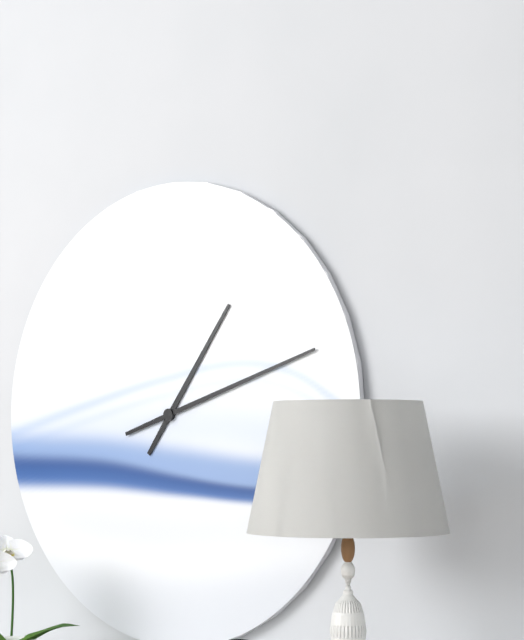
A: **1:12**
